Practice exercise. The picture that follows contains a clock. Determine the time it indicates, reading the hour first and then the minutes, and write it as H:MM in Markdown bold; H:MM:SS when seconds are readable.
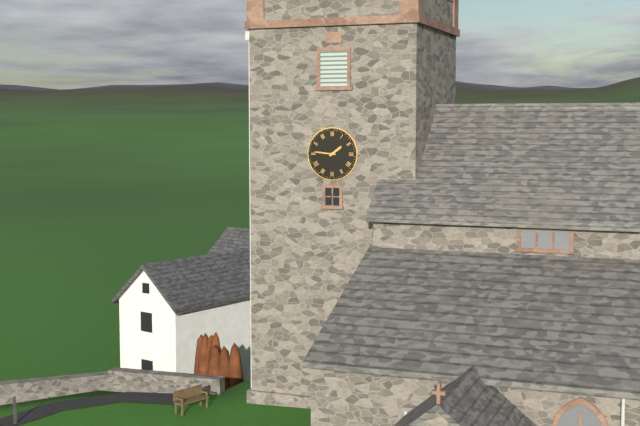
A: **1:46**
